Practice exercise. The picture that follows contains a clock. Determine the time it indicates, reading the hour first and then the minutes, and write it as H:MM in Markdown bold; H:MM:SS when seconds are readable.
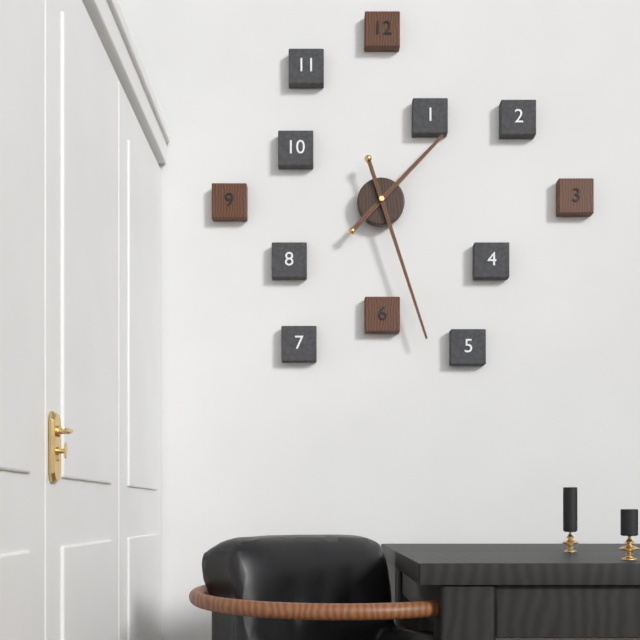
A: **1:27**
